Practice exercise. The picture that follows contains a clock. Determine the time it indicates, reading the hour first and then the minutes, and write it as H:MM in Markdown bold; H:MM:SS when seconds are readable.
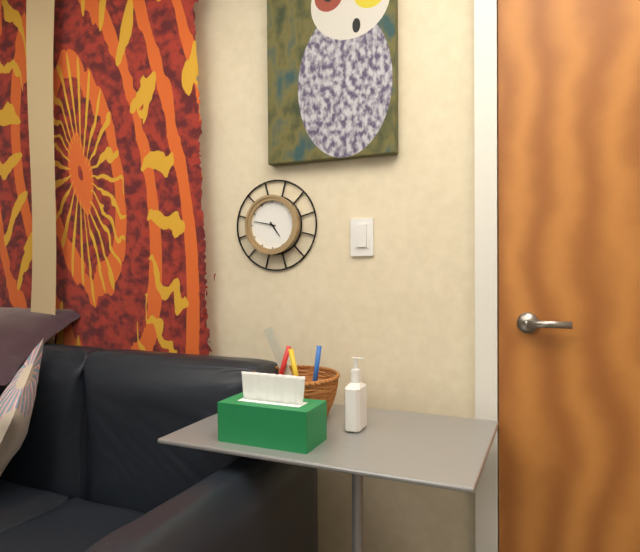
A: **4:47**
